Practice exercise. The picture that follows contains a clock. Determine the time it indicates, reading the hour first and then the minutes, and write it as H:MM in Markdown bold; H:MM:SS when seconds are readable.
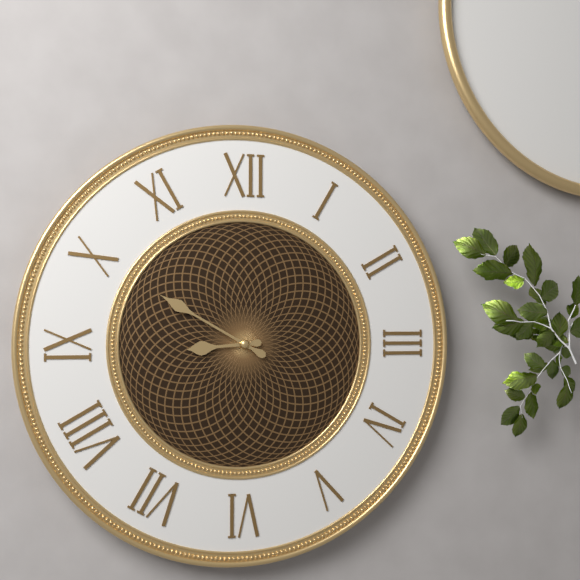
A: **8:50**
